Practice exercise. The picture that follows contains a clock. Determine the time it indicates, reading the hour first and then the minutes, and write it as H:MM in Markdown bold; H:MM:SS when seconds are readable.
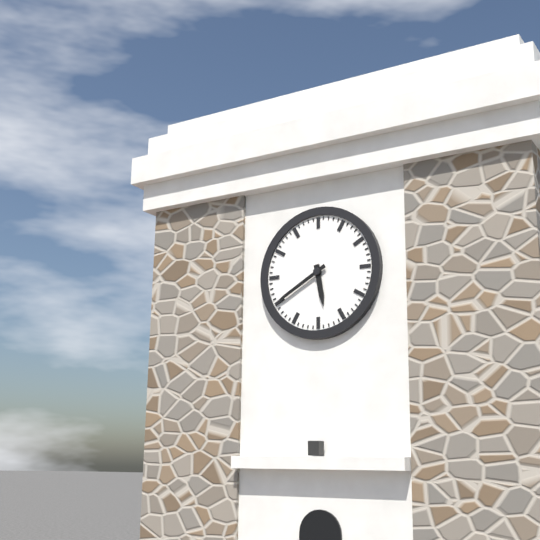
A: **5:40**
